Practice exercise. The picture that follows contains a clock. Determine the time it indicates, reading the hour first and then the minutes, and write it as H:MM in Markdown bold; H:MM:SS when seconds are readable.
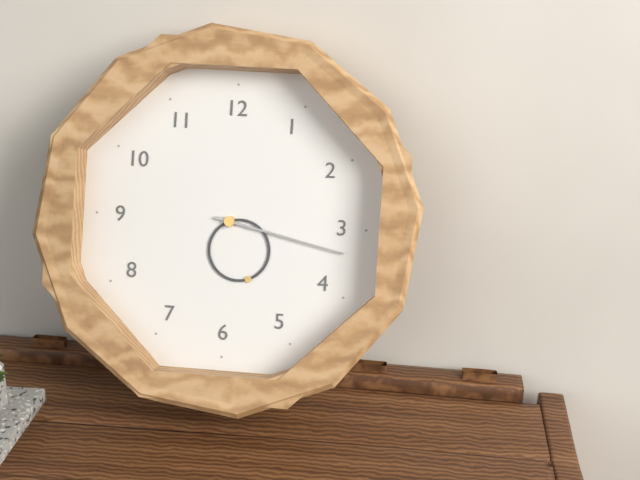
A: **5:17**
